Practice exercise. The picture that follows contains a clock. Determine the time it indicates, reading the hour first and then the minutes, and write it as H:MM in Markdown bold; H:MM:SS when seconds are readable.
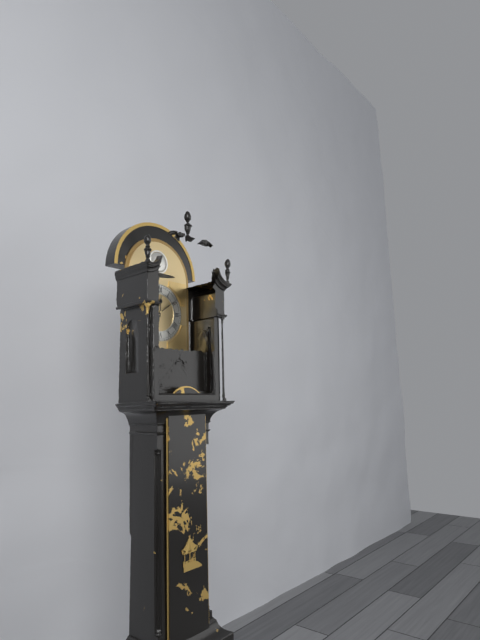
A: **12:09**
